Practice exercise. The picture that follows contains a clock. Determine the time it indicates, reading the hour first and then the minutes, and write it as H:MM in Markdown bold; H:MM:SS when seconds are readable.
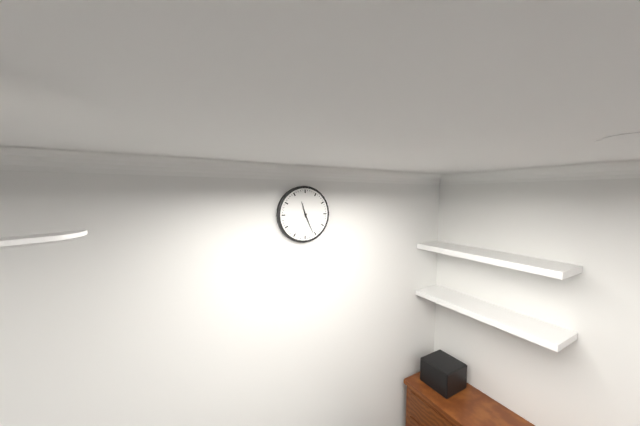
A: **11:26**
